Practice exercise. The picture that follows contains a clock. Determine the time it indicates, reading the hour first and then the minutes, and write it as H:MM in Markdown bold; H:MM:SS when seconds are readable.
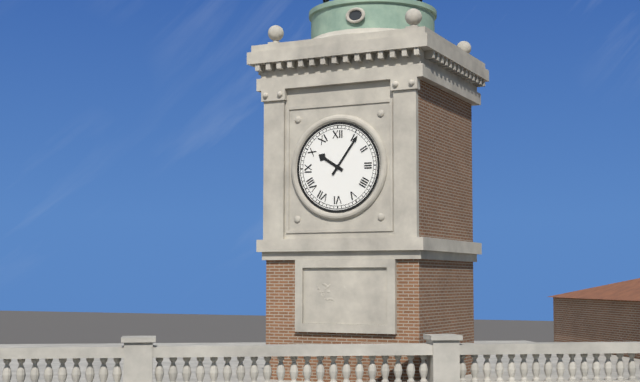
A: **10:06**
